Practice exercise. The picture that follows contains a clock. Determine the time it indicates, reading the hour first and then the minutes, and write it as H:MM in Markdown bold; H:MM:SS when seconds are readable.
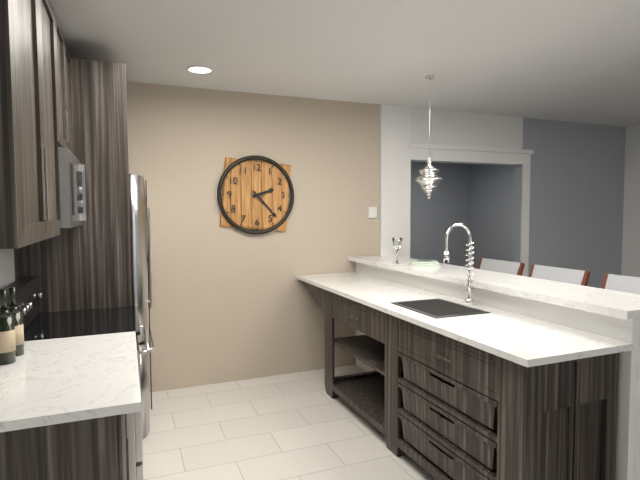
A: **2:23**
